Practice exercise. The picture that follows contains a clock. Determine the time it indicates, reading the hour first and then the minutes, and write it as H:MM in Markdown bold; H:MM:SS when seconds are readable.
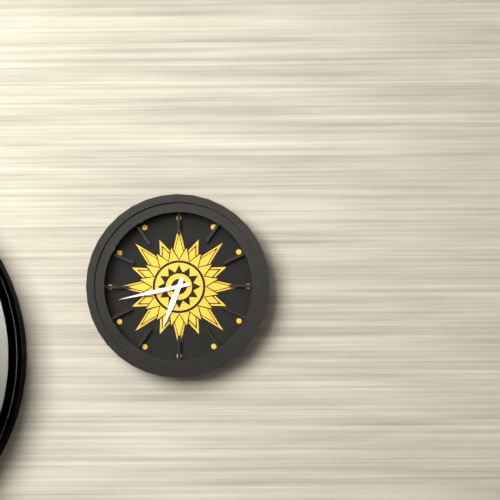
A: **6:43**
